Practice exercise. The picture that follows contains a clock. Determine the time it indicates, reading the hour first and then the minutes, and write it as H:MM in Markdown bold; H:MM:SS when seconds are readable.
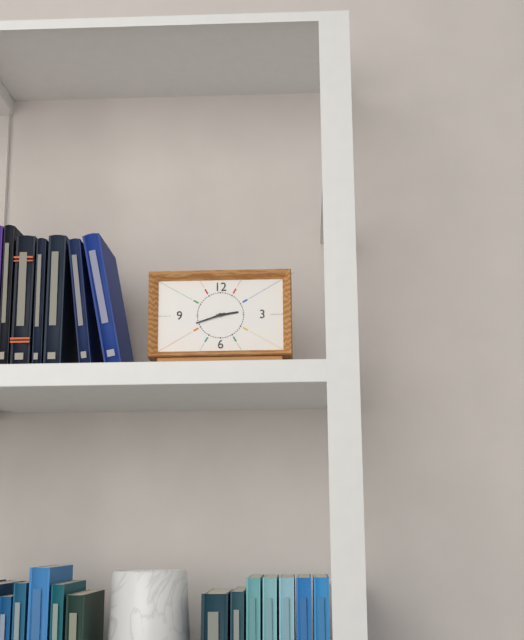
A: **2:42**
